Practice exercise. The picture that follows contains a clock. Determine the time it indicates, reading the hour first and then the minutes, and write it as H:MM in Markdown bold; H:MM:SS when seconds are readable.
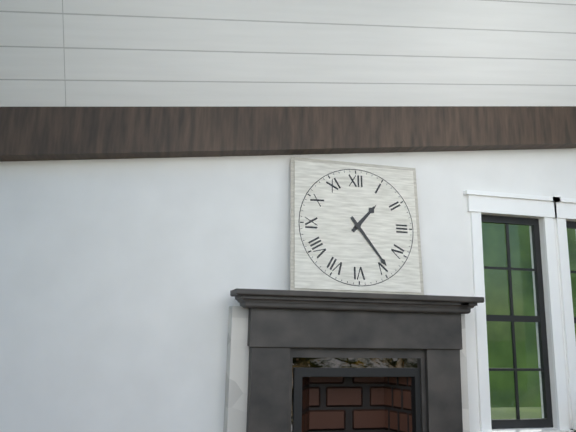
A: **1:24**
